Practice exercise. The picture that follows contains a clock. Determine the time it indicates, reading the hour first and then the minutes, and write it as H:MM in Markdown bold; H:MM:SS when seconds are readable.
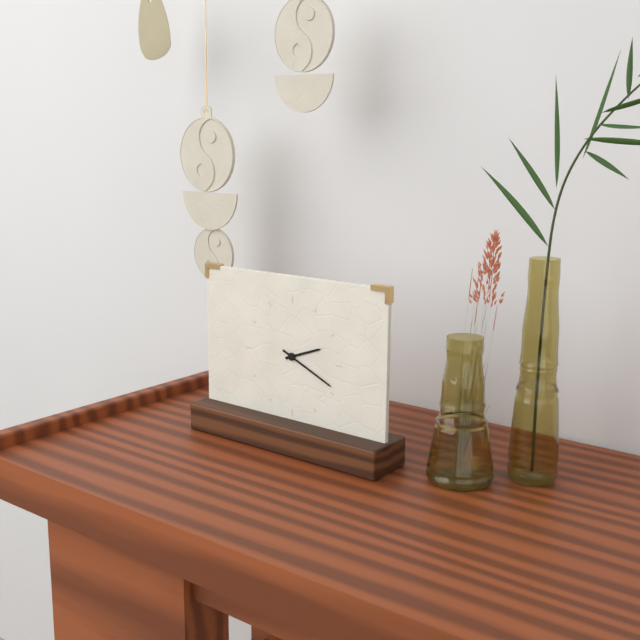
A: **2:19**
